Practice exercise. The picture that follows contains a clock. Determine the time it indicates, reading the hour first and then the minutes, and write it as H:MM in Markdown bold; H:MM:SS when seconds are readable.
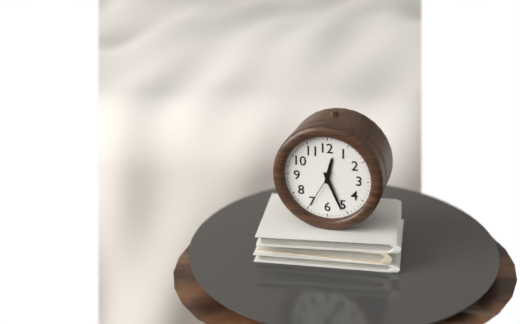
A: **12:26**
